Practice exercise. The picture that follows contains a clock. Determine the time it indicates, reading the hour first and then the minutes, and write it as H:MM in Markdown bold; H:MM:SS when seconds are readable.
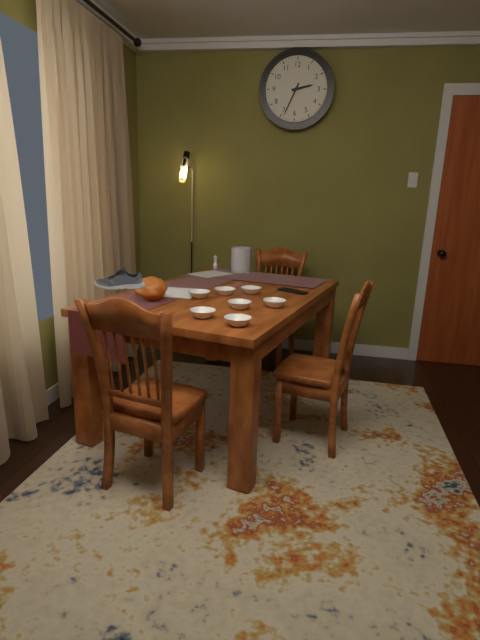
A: **2:34**
